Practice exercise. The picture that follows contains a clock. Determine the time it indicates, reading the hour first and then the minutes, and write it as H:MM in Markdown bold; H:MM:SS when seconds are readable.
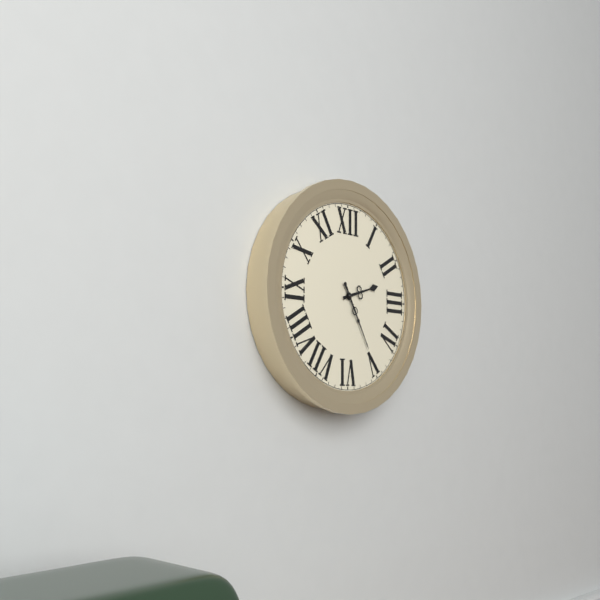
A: **2:25**
